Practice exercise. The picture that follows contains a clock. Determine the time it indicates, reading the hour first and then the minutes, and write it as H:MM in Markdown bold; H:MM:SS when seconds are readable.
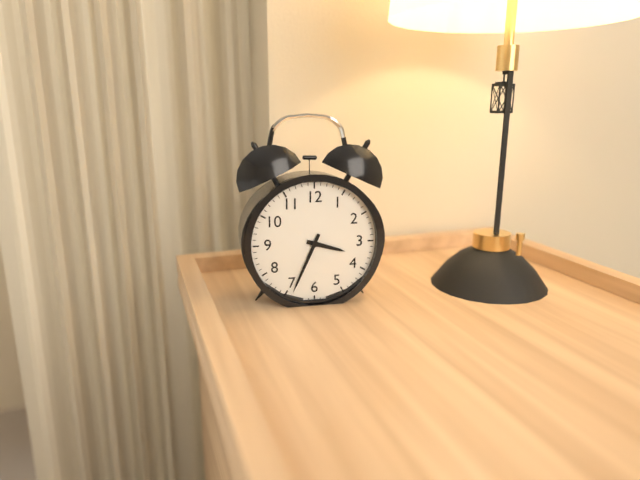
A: **3:34**
